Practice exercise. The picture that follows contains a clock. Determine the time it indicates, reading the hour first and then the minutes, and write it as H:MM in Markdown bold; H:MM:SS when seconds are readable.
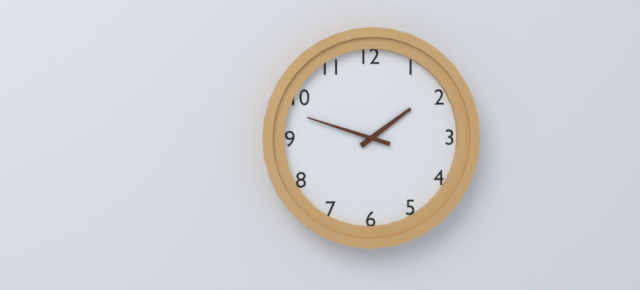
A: **1:48**
